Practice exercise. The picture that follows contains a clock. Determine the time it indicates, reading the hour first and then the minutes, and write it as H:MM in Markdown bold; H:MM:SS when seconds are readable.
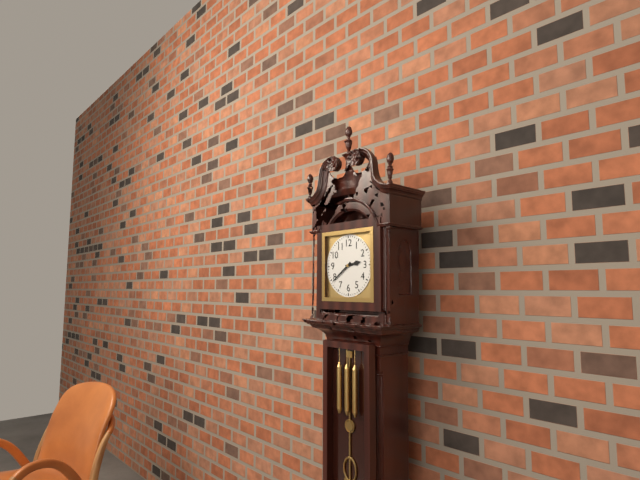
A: **2:39**
